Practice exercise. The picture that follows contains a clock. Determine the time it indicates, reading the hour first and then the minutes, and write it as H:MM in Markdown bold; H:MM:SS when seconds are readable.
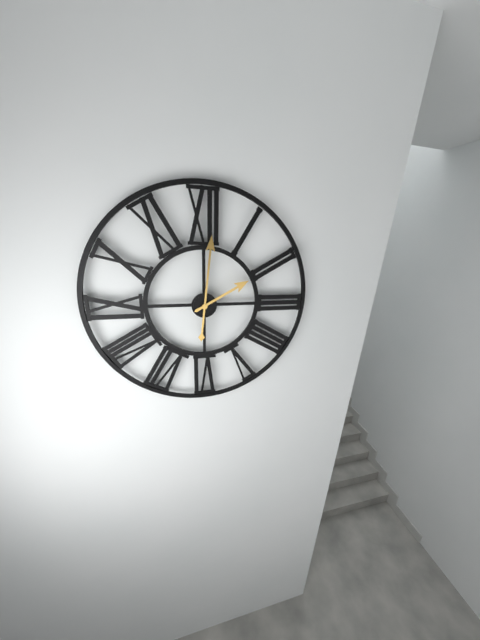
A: **2:01**
